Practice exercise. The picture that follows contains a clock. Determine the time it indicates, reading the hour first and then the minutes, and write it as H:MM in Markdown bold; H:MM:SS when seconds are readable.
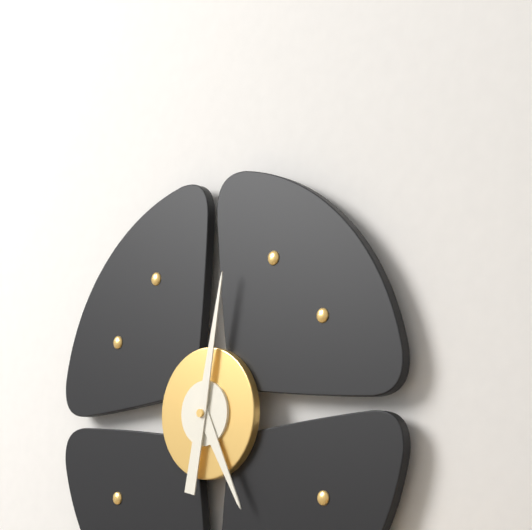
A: **5:02**
